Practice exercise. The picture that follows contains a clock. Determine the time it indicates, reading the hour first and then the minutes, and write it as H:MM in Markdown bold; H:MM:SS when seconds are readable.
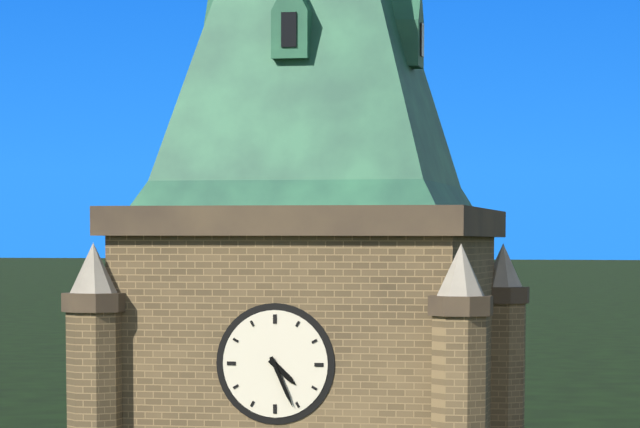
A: **4:26**
